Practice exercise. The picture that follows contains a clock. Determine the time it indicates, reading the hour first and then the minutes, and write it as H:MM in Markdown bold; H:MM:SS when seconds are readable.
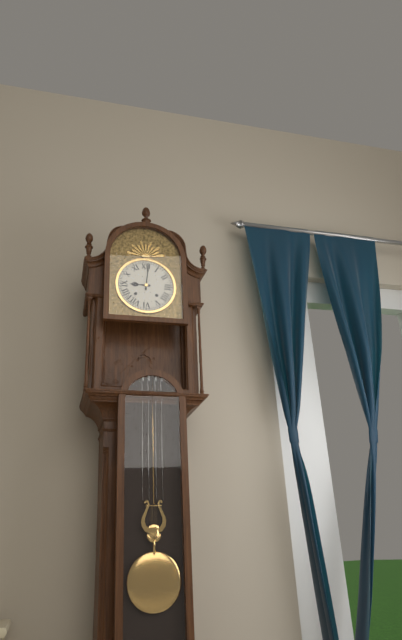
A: **9:01**
